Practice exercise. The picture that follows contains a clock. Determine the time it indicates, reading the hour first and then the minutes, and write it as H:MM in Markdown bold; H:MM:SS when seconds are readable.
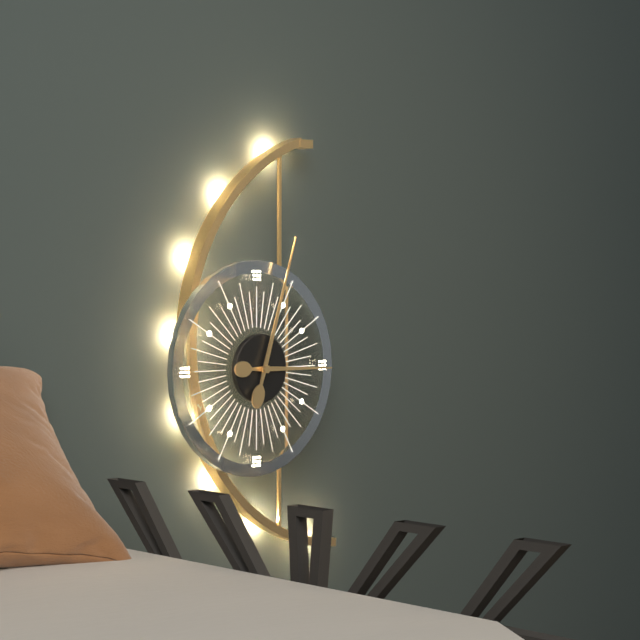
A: **3:03**
